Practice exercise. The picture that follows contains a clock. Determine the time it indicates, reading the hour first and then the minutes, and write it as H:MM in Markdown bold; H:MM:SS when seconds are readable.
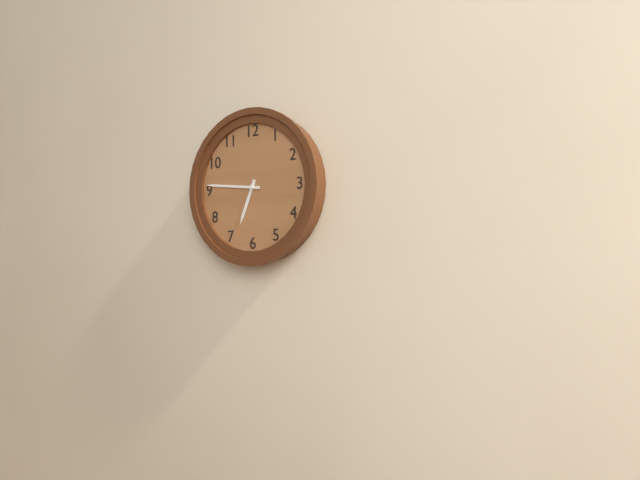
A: **6:46**
